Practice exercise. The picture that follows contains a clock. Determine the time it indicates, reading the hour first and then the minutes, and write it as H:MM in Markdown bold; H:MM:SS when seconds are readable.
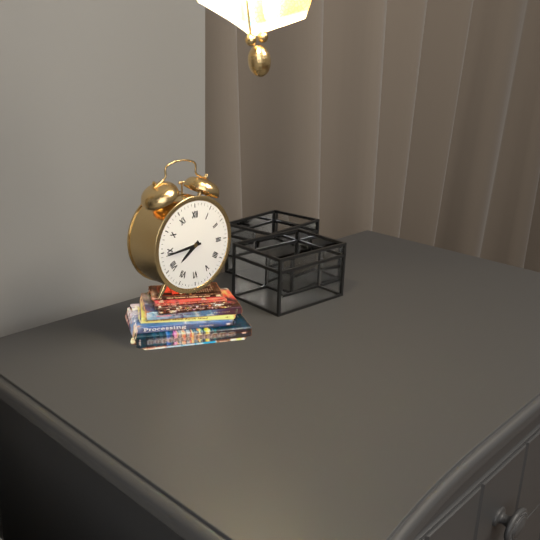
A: **7:44**
